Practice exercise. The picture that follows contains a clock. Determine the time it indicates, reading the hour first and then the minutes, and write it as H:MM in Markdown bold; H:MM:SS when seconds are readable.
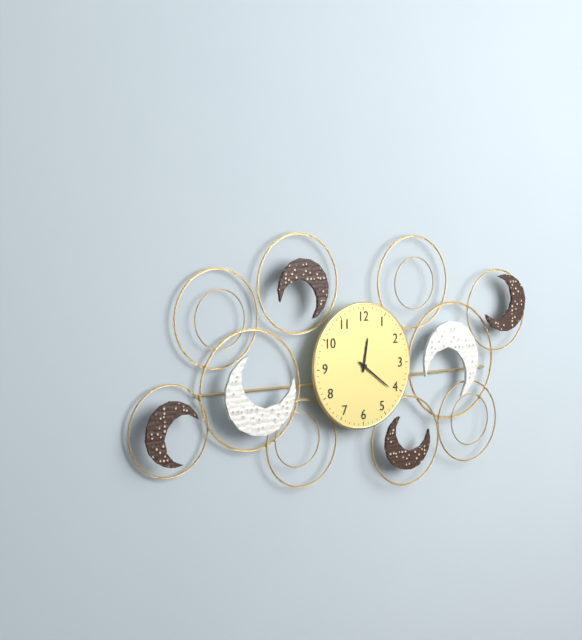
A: **12:21**
